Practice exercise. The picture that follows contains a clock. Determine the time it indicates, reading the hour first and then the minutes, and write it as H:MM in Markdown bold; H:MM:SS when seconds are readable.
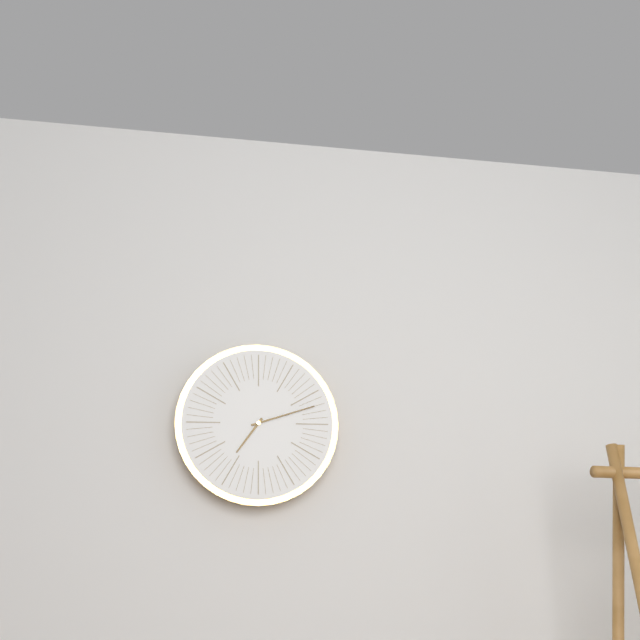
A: **7:12**
